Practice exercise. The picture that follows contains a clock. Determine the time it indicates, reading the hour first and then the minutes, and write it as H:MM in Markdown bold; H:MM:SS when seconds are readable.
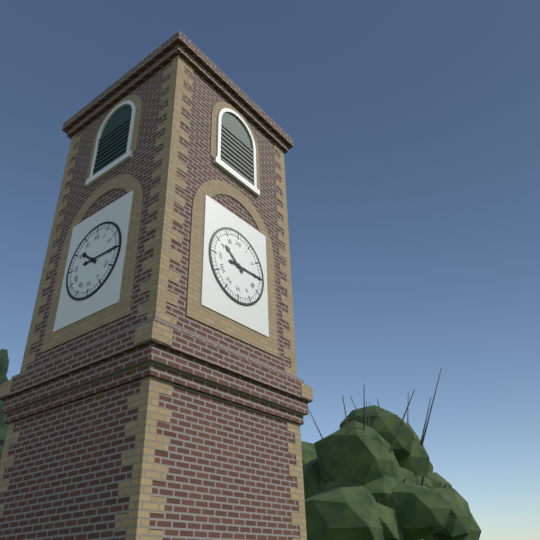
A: **10:15**
